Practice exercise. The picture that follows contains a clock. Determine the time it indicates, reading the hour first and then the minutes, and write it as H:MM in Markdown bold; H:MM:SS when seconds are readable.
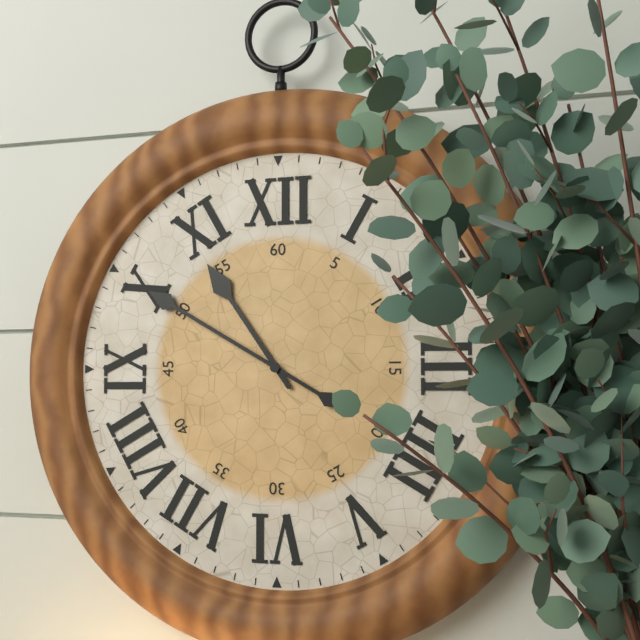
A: **10:50**
